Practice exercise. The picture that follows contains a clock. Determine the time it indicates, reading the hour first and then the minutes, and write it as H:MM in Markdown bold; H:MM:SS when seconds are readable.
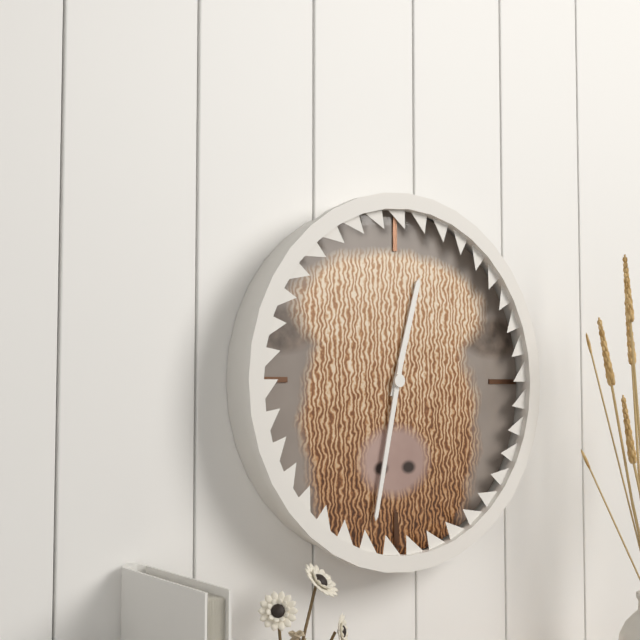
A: **12:32**
